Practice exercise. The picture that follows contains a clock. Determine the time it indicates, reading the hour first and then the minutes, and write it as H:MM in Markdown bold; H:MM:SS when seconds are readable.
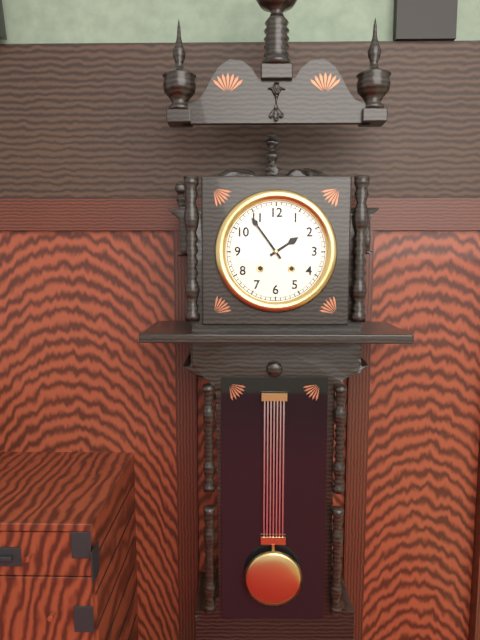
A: **1:54**
